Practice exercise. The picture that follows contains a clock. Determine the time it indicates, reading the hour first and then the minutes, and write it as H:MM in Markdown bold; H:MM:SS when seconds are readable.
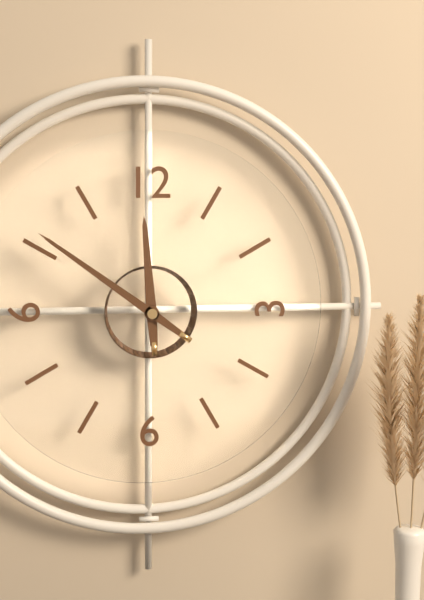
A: **11:51**
